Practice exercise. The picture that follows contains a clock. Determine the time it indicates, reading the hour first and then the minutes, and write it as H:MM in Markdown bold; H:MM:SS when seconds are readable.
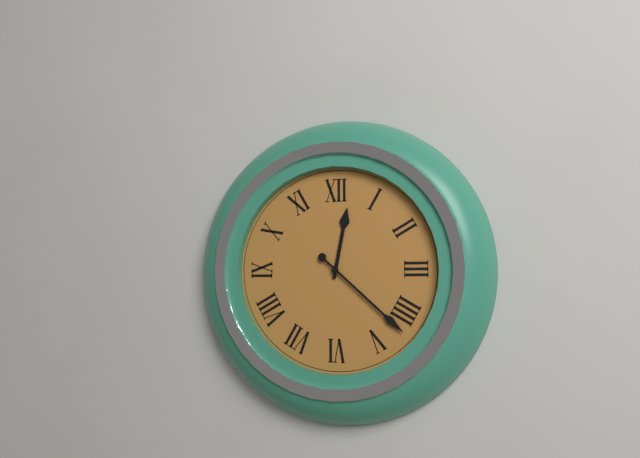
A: **12:22**
